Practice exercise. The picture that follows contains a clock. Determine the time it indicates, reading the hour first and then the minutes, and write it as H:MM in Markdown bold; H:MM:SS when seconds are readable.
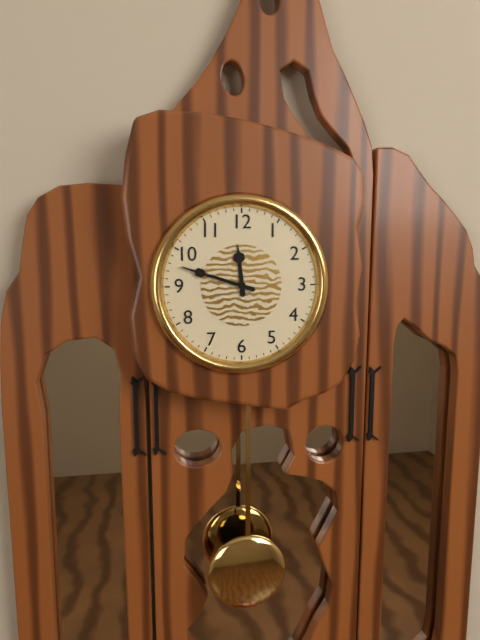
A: **11:48**
